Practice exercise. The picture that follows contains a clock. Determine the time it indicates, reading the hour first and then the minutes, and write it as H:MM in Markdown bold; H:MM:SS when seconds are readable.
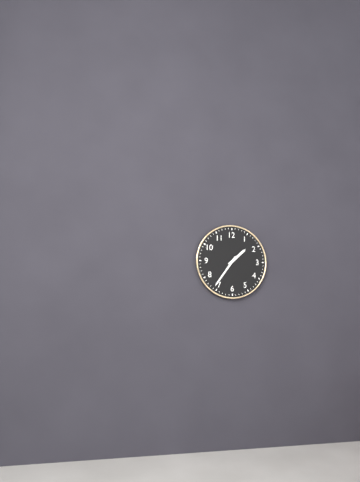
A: **1:36**
